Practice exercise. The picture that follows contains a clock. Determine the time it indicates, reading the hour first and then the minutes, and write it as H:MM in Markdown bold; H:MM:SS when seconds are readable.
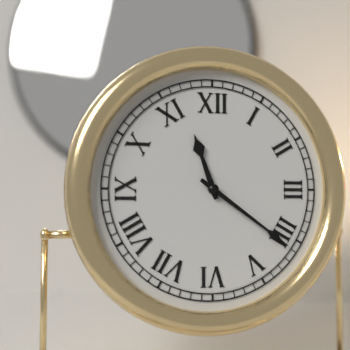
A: **11:21**
